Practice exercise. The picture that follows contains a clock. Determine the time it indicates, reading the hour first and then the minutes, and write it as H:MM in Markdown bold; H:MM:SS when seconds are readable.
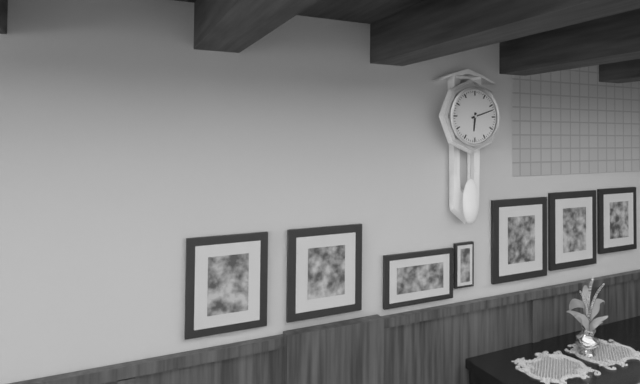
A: **6:12**
